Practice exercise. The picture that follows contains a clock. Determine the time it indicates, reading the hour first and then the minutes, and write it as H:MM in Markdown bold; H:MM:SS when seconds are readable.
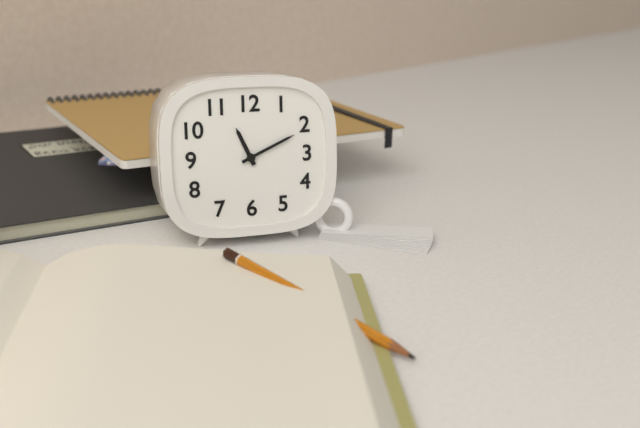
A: **11:11**
